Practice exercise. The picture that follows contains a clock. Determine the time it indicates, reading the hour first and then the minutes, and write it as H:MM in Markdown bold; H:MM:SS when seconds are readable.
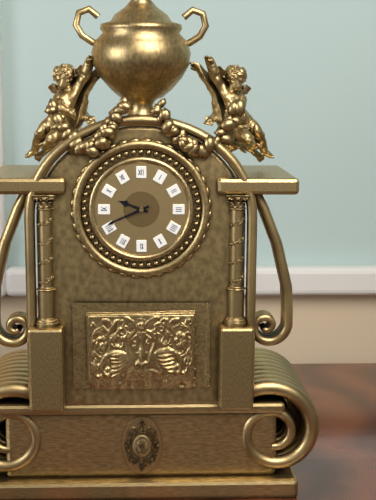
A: **9:41**
